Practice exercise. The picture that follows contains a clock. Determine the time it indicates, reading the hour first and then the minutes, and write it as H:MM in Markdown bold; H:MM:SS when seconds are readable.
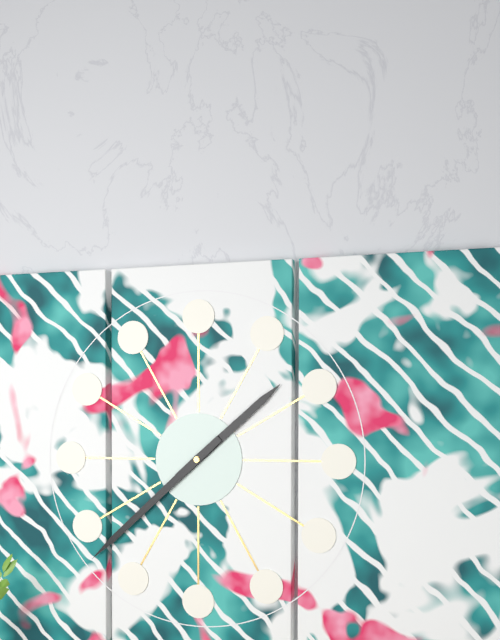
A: **1:38**
